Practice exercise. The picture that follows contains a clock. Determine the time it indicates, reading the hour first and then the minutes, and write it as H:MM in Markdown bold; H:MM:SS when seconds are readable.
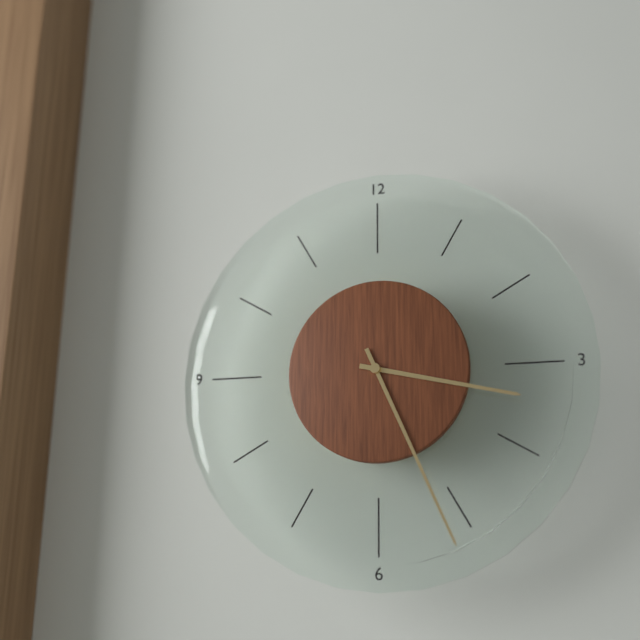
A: **3:26**
